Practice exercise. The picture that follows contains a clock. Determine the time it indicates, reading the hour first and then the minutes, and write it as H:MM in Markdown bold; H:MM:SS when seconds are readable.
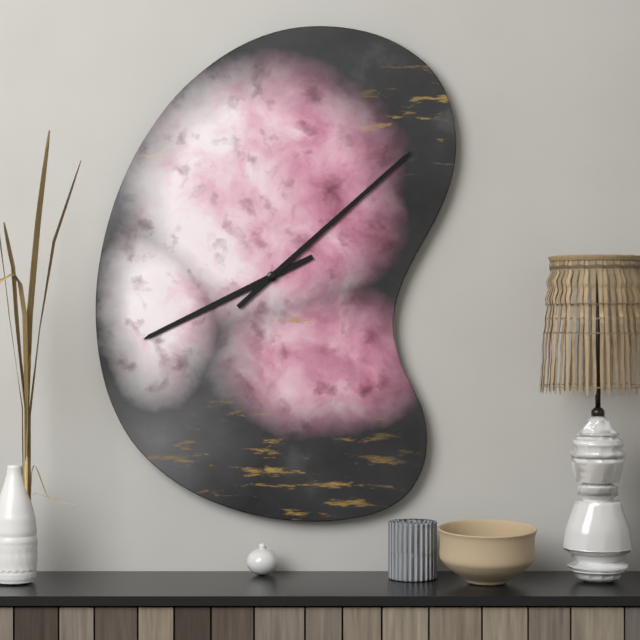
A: **8:08**
